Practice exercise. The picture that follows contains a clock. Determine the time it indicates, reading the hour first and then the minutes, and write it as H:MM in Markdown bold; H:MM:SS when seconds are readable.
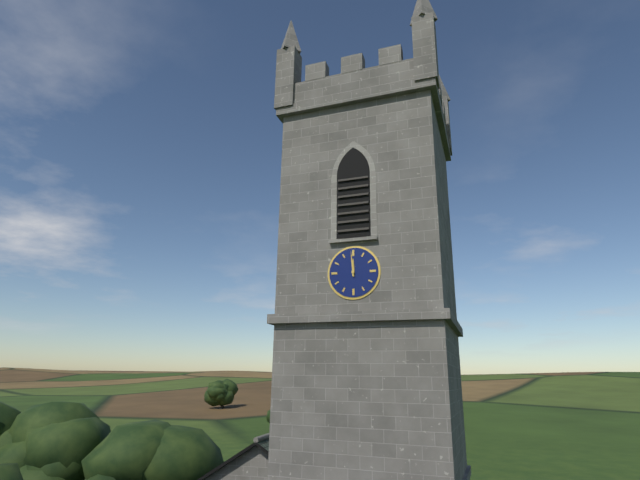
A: **11:59**
